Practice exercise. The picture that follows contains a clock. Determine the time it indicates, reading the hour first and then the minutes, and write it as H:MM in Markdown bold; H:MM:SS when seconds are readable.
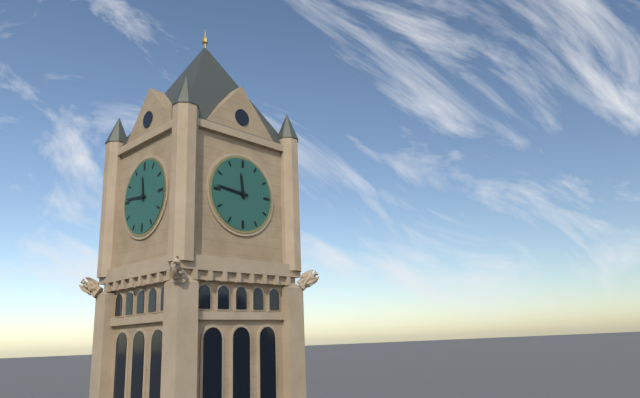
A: **11:46**
